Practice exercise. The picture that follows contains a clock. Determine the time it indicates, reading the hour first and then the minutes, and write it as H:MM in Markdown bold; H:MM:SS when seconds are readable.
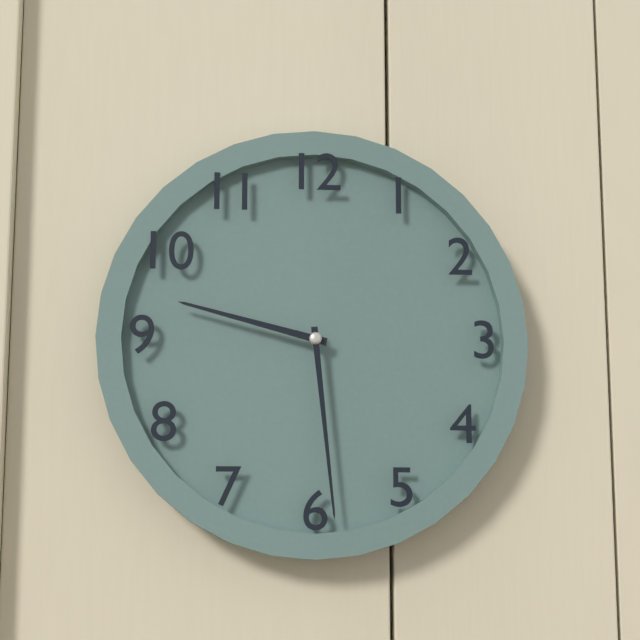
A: **9:29**
